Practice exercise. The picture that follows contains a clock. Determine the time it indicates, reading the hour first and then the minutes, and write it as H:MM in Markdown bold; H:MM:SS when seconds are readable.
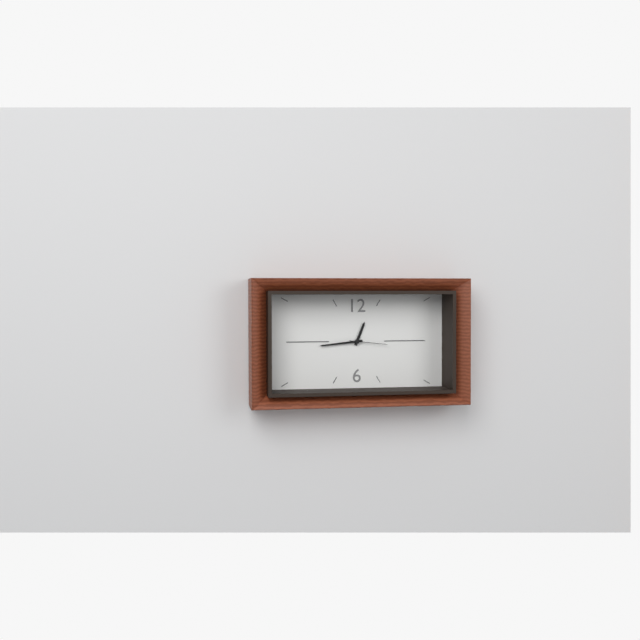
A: **12:44**
